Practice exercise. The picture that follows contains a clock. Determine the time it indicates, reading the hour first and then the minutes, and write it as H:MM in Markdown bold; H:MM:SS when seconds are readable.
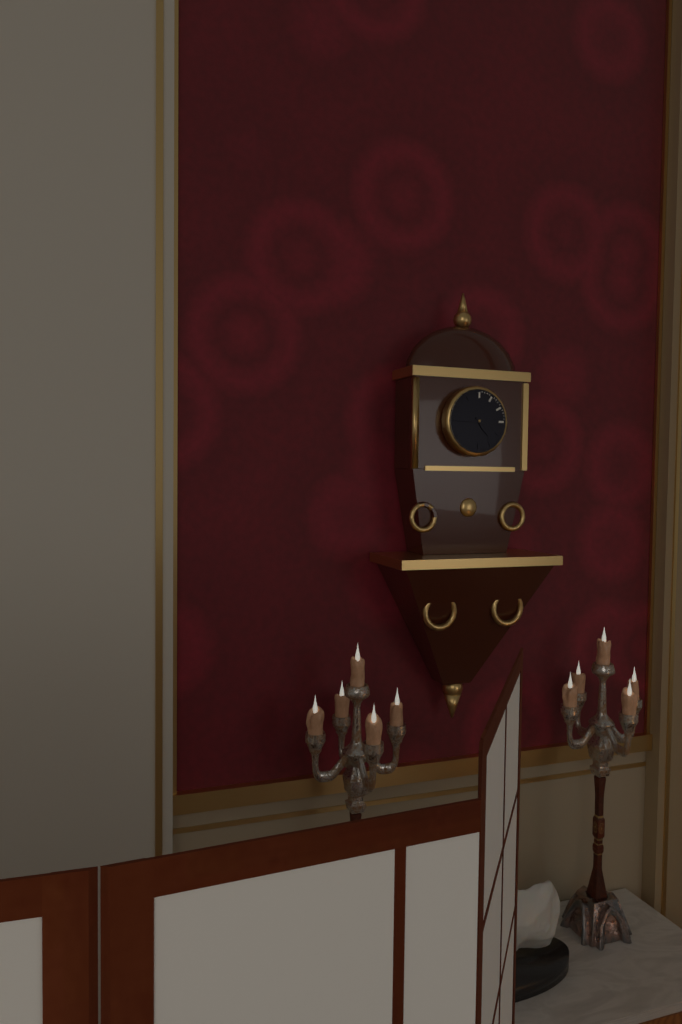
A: **4:45**
